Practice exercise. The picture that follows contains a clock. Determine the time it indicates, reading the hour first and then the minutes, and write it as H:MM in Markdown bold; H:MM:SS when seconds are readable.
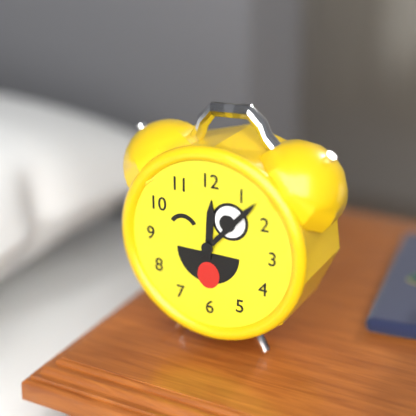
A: **12:07**
